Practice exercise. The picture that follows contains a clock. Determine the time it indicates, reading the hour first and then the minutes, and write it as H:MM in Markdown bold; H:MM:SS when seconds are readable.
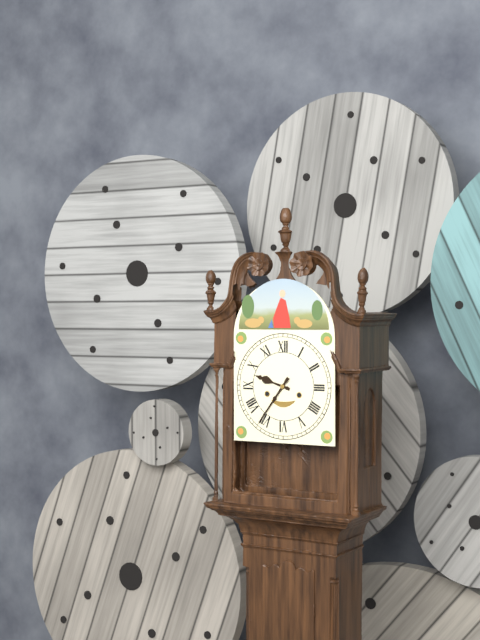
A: **9:36**
